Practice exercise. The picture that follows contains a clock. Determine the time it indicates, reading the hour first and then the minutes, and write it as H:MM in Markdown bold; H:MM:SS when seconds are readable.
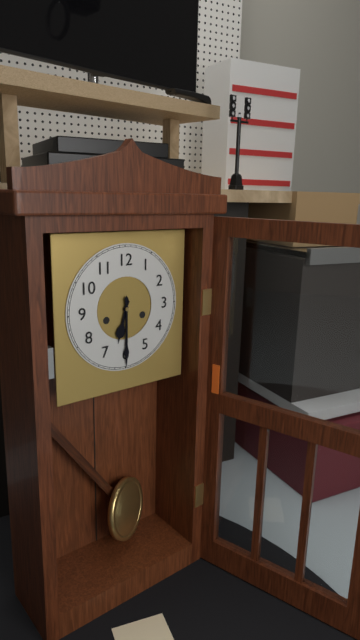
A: **6:30**
